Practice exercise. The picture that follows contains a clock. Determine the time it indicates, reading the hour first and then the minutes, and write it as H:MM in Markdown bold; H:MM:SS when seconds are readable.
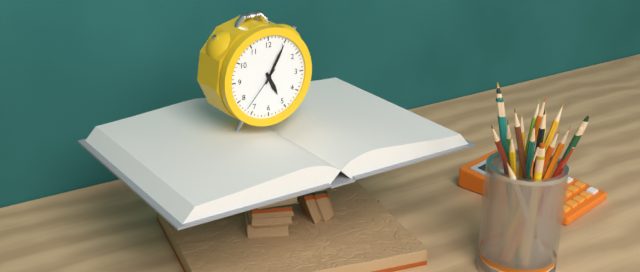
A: **5:05**
